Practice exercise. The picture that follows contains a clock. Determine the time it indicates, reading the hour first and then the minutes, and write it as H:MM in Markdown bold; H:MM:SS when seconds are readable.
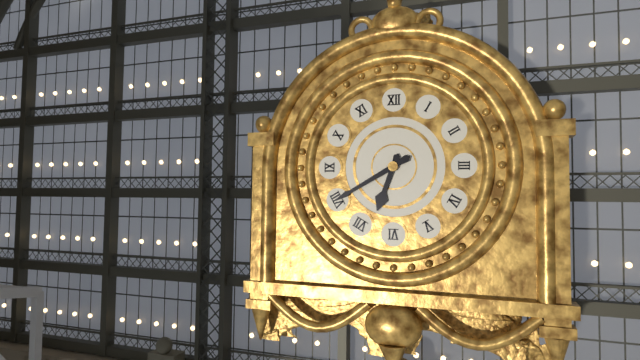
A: **6:40**
